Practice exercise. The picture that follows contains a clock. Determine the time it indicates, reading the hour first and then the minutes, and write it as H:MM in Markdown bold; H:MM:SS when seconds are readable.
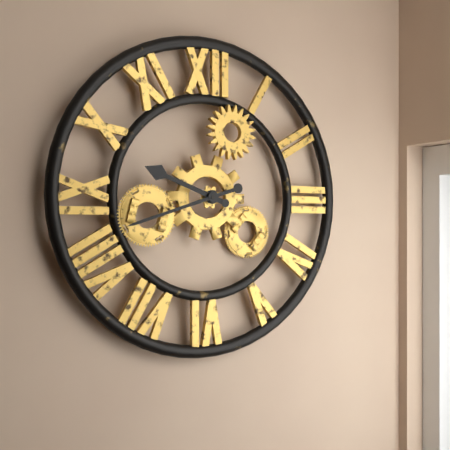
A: **9:42**
